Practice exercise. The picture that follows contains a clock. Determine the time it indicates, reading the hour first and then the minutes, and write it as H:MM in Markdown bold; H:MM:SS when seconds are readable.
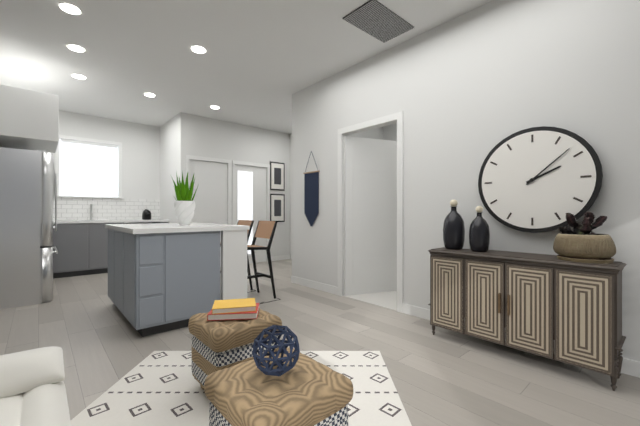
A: **2:08**
